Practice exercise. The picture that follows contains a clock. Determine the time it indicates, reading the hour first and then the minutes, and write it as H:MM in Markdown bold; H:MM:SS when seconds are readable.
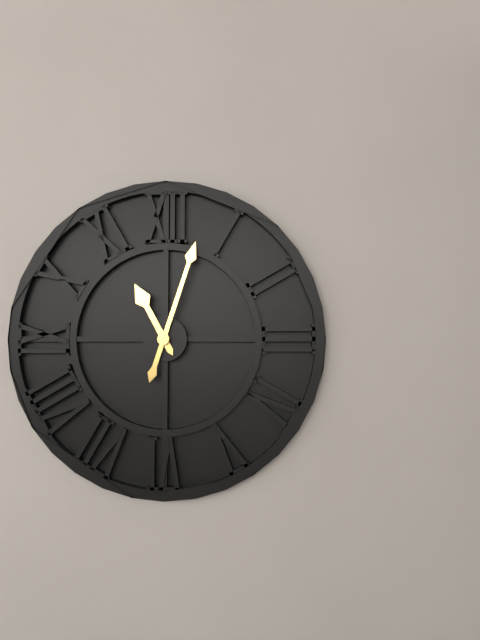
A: **11:03**
